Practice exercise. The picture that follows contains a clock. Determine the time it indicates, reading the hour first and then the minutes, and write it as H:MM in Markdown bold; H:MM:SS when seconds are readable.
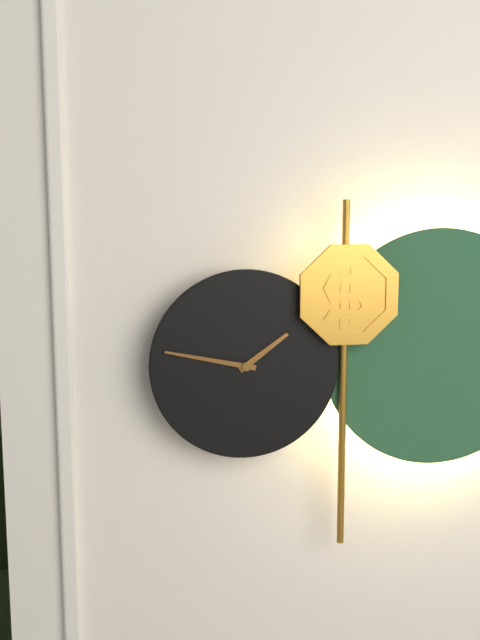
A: **1:47**
